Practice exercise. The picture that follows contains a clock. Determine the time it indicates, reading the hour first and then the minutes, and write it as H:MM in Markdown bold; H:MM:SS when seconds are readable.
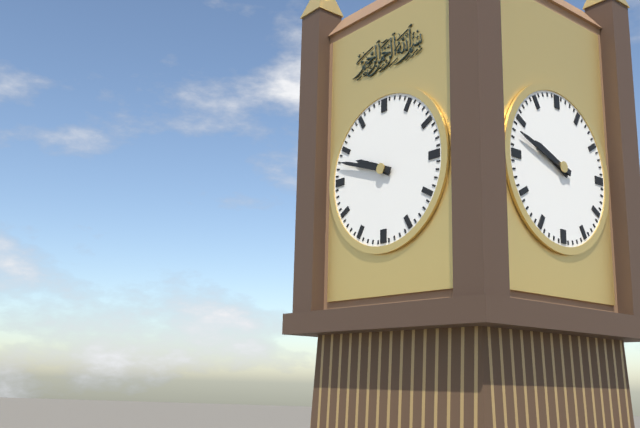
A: **9:48**
